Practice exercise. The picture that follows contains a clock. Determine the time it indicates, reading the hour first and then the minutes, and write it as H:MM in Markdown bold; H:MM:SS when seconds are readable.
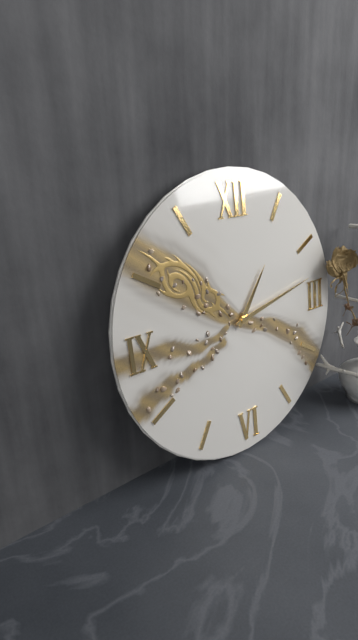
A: **1:13**
